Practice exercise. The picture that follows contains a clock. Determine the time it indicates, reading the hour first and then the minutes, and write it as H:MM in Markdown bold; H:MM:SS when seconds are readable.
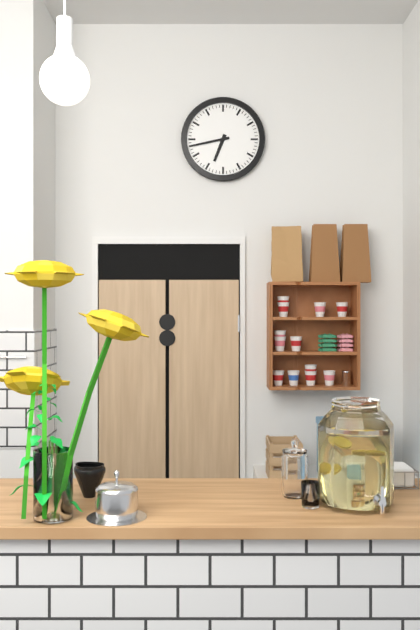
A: **6:43**
